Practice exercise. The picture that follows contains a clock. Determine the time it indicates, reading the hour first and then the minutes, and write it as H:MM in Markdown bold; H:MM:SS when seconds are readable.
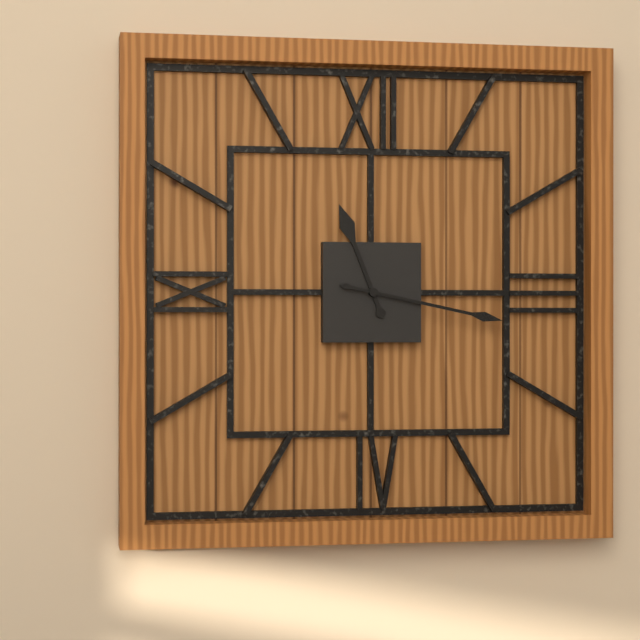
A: **11:17**
